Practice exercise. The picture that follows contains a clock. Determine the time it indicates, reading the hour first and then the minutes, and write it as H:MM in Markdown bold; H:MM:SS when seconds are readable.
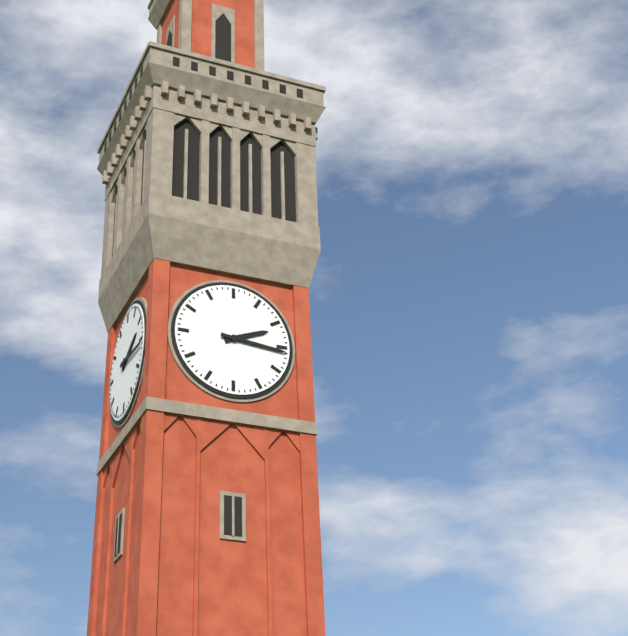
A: **2:16**
